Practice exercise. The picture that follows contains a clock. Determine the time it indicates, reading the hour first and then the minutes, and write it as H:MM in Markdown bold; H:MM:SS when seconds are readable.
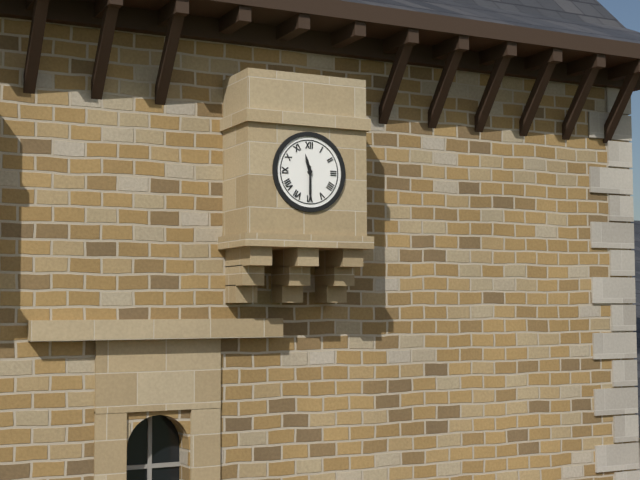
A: **11:30**
